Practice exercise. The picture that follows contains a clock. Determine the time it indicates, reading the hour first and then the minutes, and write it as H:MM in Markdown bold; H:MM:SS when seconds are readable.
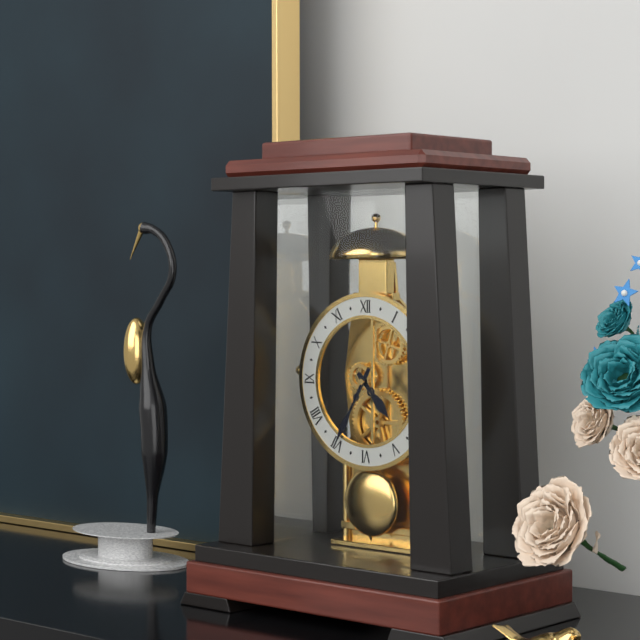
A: **4:35**
